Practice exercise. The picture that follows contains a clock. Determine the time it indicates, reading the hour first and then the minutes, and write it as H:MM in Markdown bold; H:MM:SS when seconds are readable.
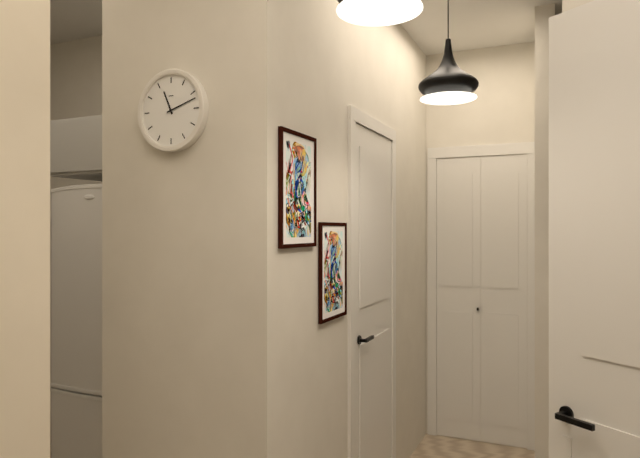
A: **11:12**
